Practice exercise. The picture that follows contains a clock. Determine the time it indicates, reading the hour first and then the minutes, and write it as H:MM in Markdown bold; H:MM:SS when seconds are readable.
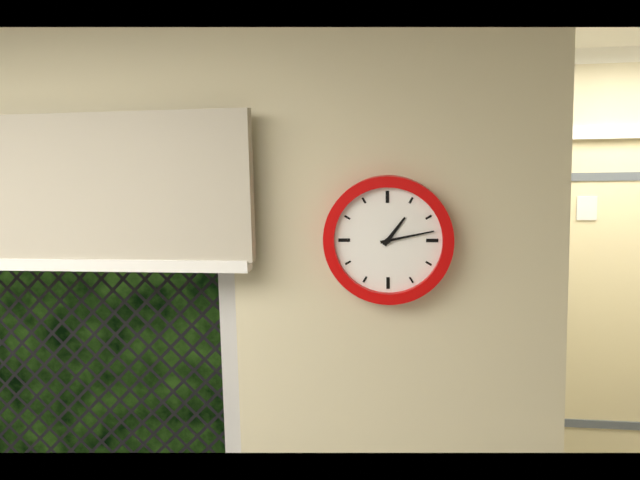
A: **1:13**
